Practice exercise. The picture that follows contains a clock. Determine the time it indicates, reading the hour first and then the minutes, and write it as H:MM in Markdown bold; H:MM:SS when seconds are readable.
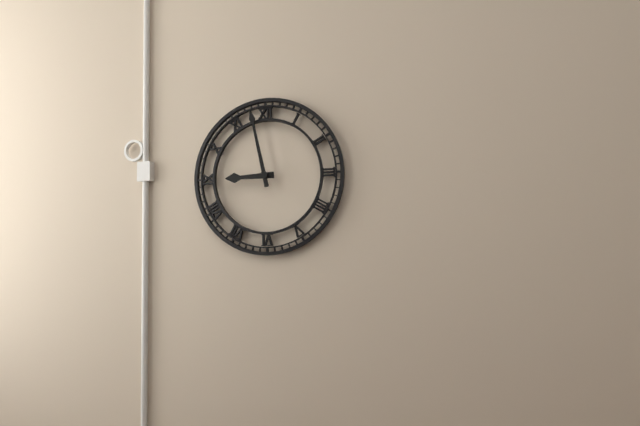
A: **8:58**
